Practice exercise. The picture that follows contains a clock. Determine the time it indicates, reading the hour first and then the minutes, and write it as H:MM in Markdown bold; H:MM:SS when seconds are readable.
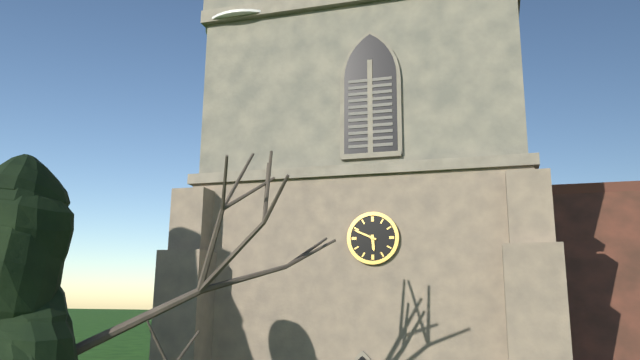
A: **5:49**
